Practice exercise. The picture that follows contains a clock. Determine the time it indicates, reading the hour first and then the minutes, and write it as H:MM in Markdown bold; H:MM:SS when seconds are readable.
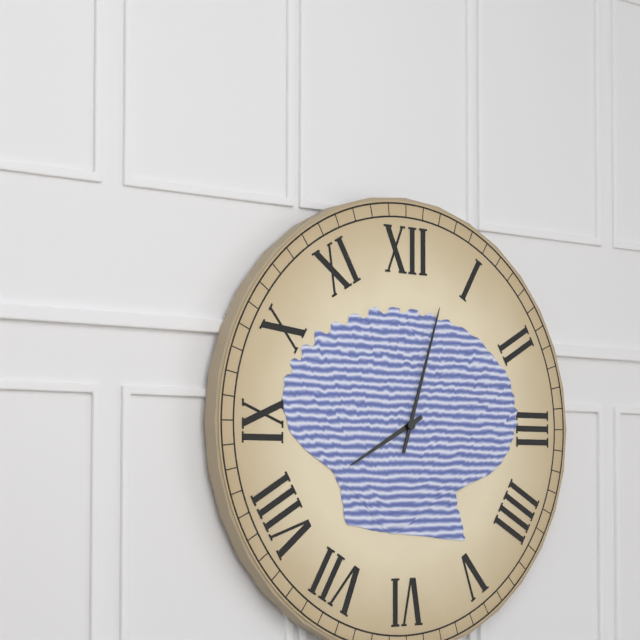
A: **8:03**
